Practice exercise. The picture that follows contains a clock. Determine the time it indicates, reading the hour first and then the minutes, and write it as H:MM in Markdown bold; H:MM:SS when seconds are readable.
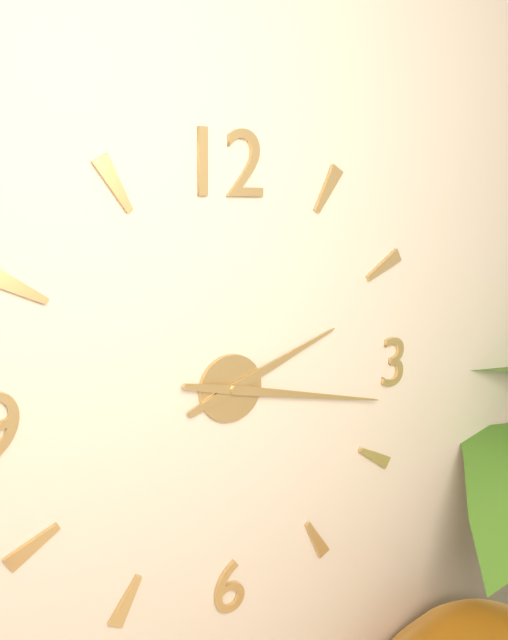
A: **2:17**
